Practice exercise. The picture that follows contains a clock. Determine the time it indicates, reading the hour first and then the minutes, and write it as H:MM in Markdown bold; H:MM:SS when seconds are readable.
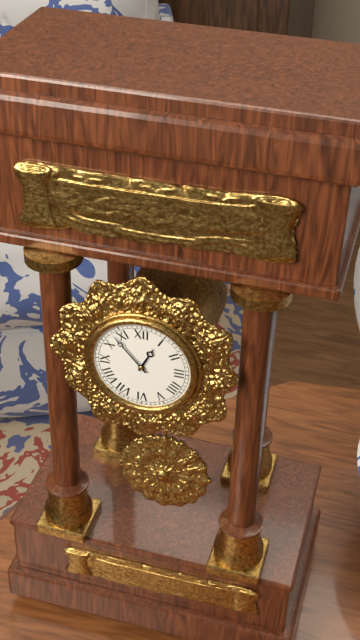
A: **12:53**
